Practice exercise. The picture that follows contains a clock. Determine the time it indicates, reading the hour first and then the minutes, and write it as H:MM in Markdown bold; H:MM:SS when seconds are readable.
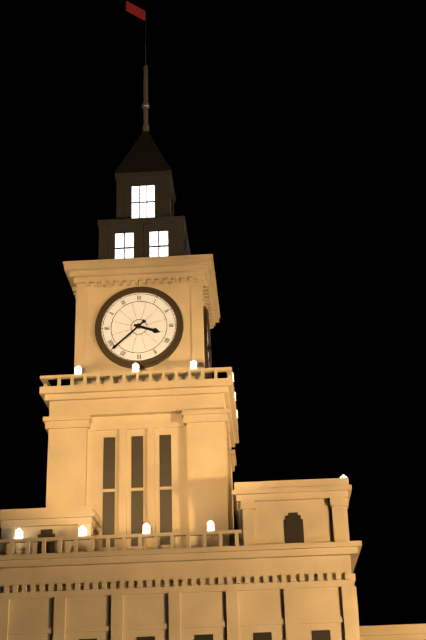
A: **3:38**
